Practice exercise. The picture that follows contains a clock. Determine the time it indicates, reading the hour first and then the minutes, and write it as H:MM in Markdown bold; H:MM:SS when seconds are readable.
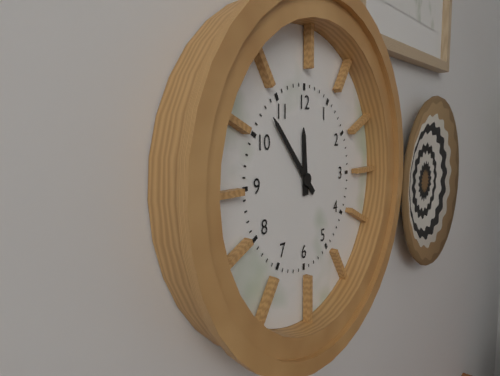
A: **11:53**
